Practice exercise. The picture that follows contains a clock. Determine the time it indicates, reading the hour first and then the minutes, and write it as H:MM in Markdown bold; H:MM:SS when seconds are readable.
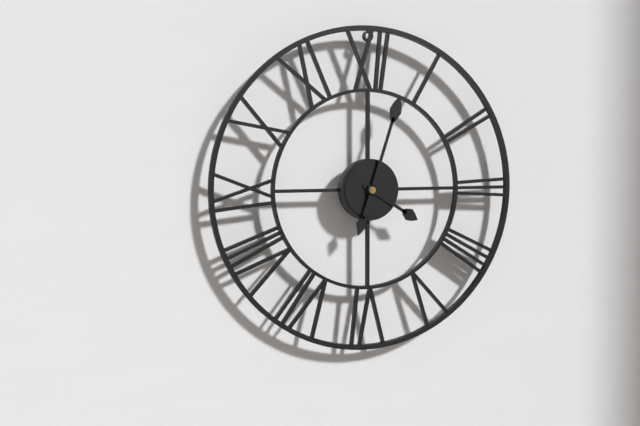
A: **4:03**
